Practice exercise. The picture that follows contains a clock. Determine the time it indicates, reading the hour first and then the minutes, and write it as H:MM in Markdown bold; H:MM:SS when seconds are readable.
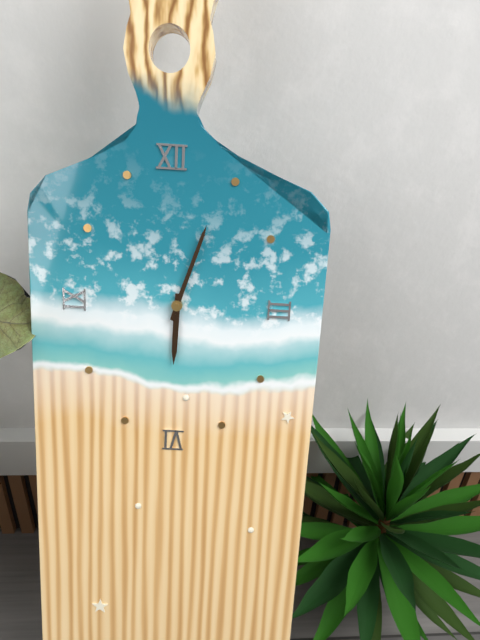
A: **6:03**
